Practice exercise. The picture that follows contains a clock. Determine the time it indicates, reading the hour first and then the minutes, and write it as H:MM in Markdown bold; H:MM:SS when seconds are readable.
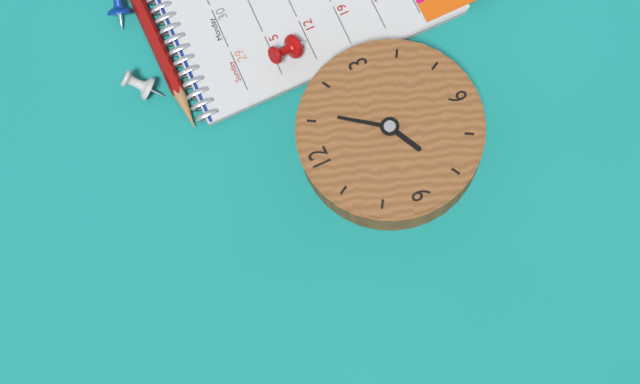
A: **8:06**
